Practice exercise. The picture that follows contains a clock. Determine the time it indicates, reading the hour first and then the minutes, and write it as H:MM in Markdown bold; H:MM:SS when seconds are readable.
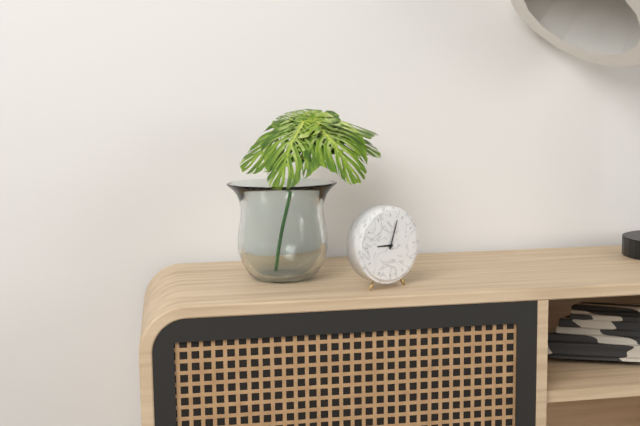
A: **9:03**
